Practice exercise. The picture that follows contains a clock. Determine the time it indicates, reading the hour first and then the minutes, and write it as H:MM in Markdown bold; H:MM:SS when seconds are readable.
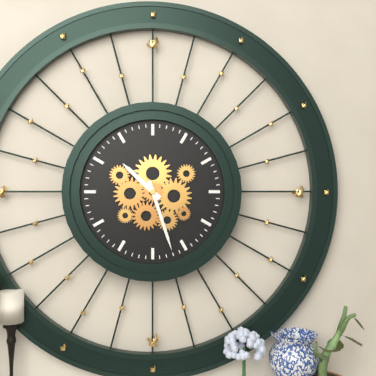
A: **10:27**
